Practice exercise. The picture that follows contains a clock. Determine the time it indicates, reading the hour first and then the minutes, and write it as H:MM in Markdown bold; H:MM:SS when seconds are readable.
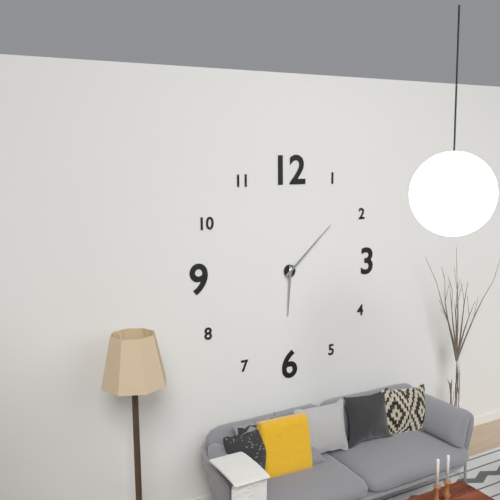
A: **6:08**
